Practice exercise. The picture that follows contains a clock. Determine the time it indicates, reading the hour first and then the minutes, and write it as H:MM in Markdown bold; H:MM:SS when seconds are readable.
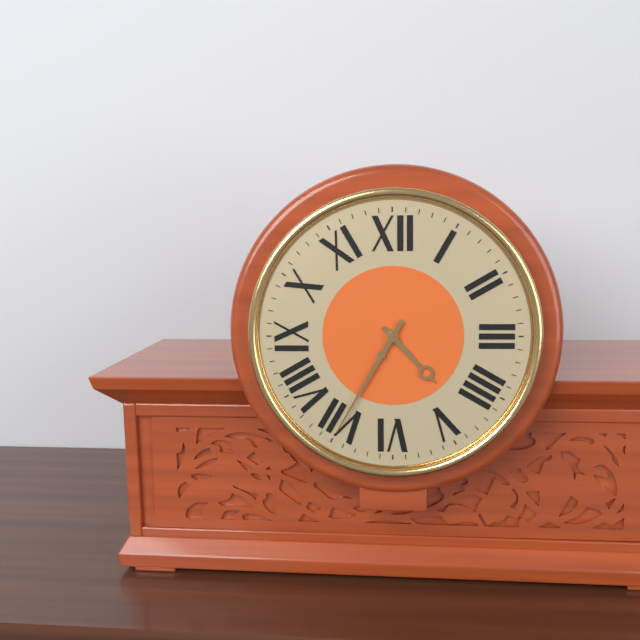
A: **4:35**
